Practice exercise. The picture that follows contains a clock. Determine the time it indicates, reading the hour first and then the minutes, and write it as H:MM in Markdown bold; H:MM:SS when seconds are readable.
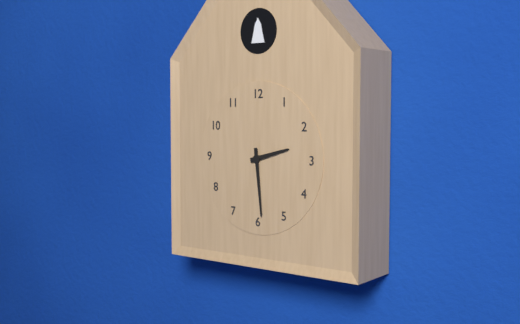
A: **2:29**
